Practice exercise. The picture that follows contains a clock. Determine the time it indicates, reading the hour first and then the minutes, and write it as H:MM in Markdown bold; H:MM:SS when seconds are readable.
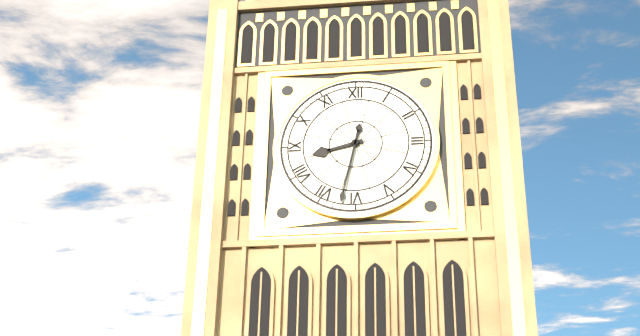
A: **8:32**
